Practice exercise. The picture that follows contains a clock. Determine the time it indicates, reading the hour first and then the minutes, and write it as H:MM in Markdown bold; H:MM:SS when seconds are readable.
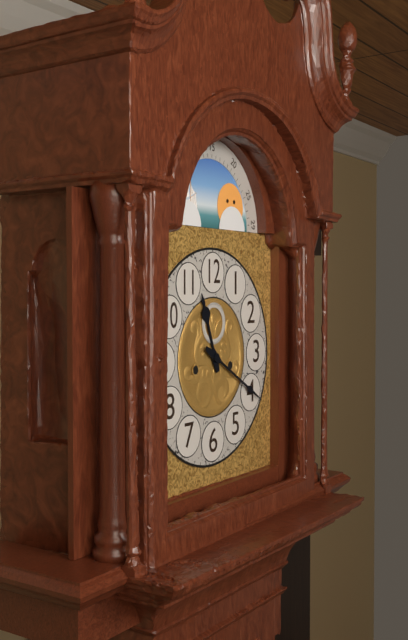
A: **11:20**
